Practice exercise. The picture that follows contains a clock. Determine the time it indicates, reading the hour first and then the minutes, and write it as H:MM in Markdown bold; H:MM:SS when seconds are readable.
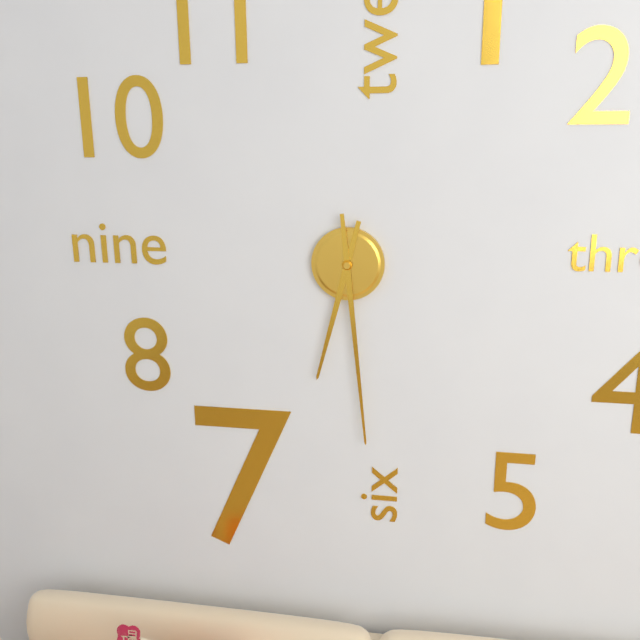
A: **6:29**
